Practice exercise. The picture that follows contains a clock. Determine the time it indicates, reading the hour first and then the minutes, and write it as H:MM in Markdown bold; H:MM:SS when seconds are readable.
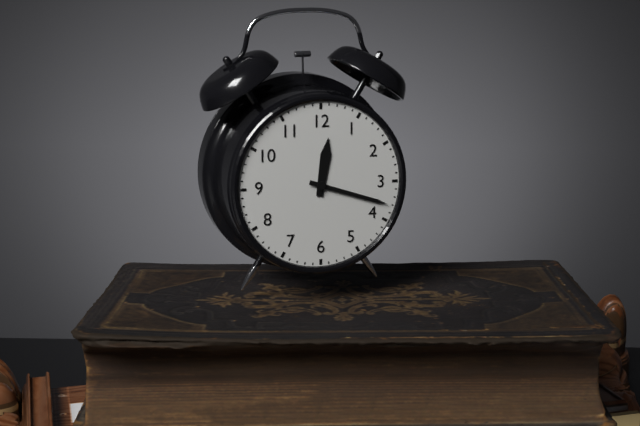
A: **12:18**
